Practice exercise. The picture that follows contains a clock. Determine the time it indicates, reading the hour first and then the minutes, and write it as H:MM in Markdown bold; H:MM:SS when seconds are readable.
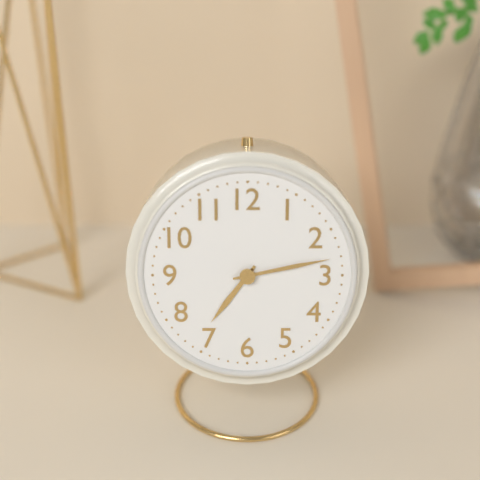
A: **7:13**
